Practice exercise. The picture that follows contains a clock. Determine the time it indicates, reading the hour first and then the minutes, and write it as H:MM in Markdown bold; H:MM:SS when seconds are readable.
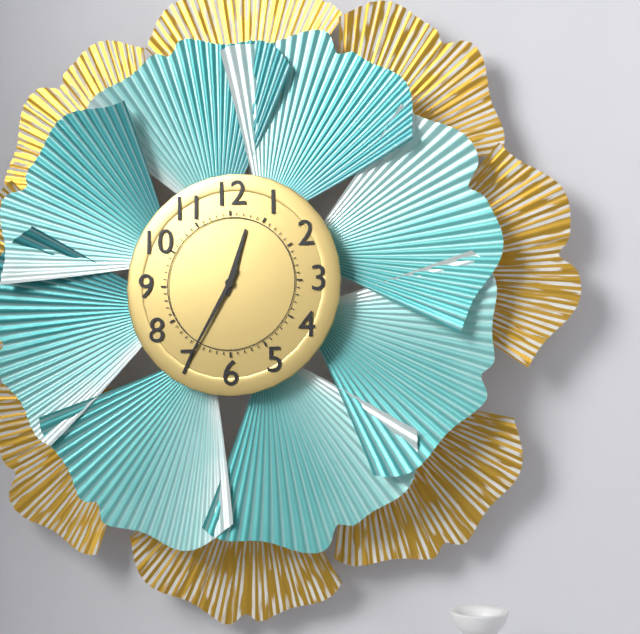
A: **12:35**
